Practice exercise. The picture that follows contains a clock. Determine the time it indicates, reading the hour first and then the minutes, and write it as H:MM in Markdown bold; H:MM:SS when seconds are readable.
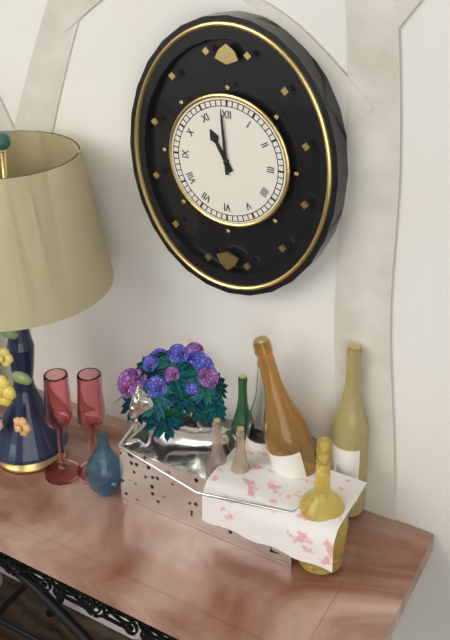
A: **10:59**
